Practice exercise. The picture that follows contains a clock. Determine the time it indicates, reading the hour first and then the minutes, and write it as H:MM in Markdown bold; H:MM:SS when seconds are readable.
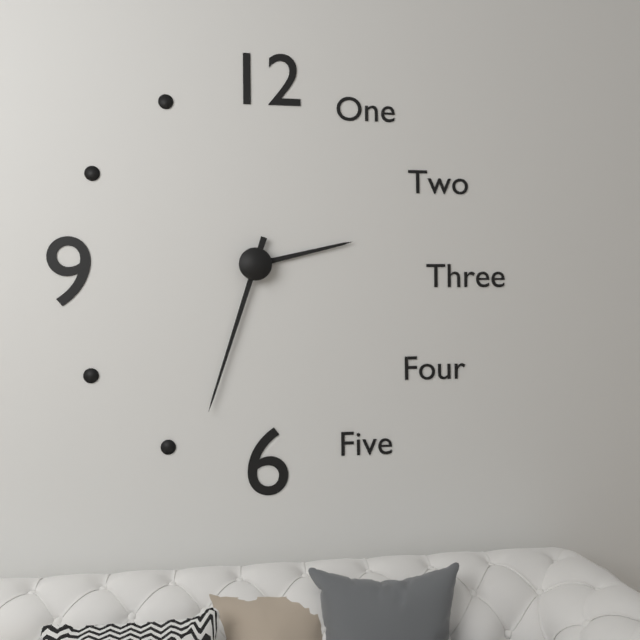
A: **2:33**
